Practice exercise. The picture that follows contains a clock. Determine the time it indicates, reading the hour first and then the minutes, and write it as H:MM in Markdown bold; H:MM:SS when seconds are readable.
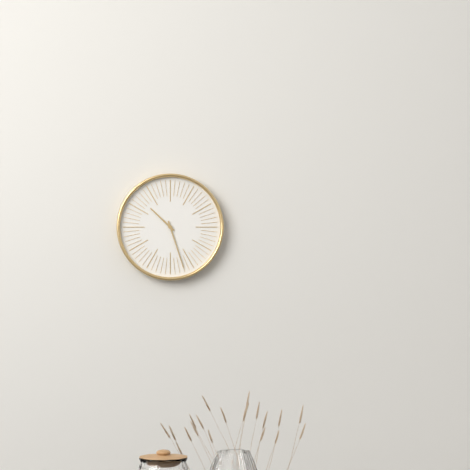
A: **10:27**
